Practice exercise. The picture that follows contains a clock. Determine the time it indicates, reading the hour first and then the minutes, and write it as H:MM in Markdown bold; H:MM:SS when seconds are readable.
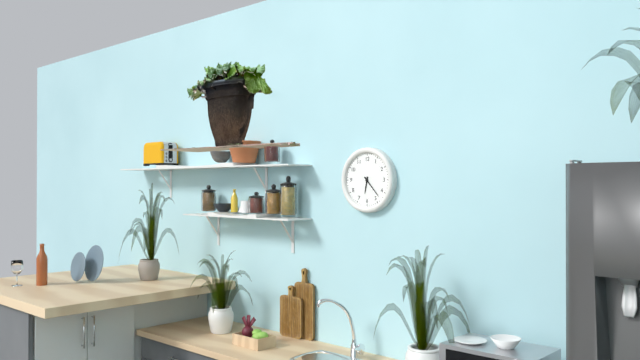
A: **6:23**
